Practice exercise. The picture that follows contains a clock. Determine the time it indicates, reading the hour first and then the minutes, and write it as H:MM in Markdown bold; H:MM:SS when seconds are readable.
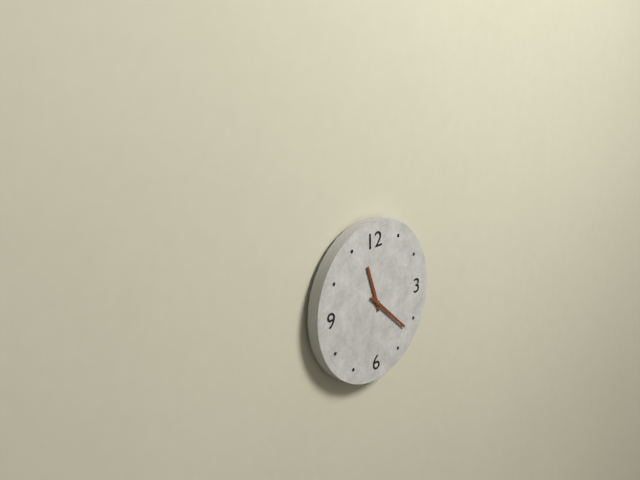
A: **11:22**
